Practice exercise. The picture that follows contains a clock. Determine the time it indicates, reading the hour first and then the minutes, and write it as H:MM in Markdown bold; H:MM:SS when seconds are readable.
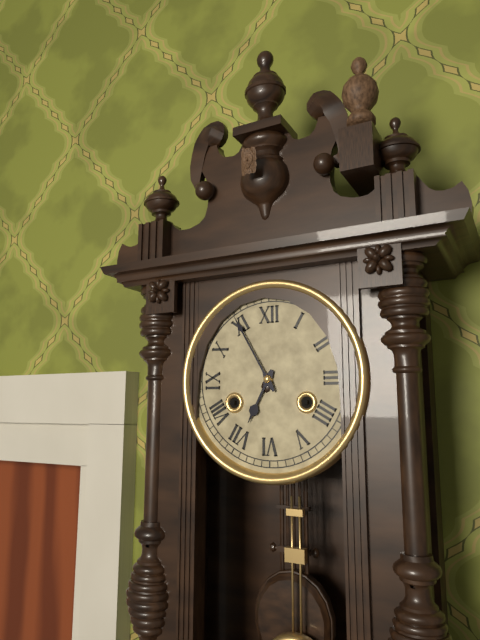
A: **6:55**
